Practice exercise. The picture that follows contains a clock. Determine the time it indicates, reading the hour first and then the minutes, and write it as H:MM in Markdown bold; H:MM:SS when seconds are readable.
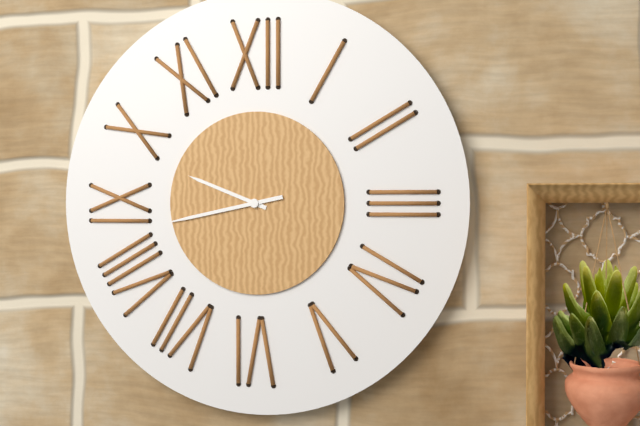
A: **9:43**
